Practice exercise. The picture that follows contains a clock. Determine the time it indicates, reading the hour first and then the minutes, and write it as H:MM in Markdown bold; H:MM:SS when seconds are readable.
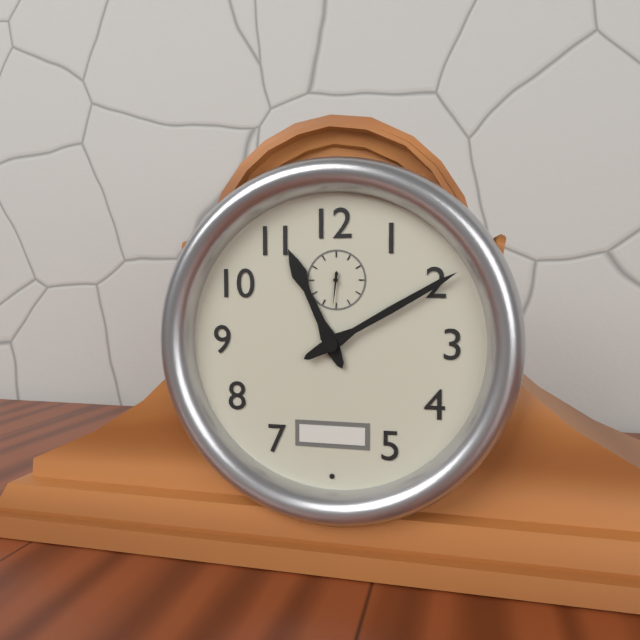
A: **11:10**
